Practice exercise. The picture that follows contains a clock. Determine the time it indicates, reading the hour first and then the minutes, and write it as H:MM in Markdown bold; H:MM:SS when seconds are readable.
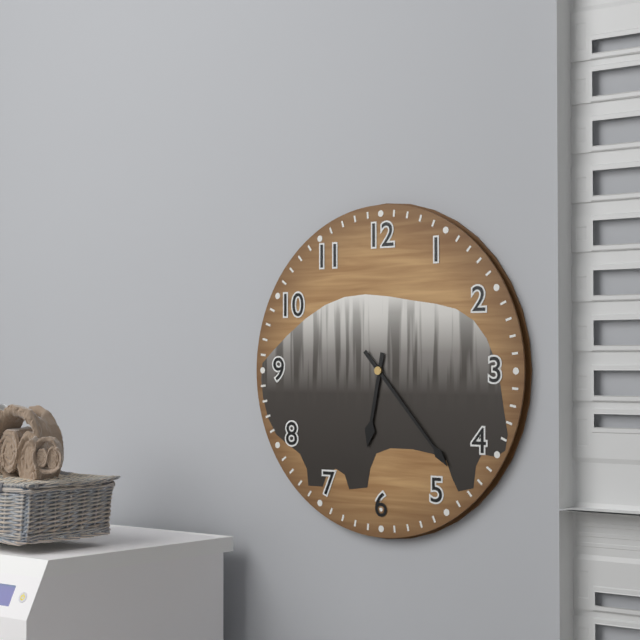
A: **6:23**
